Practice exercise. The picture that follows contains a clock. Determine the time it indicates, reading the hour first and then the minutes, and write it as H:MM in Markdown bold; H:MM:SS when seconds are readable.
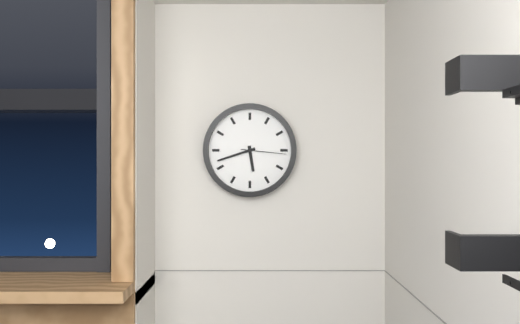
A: **5:42**
